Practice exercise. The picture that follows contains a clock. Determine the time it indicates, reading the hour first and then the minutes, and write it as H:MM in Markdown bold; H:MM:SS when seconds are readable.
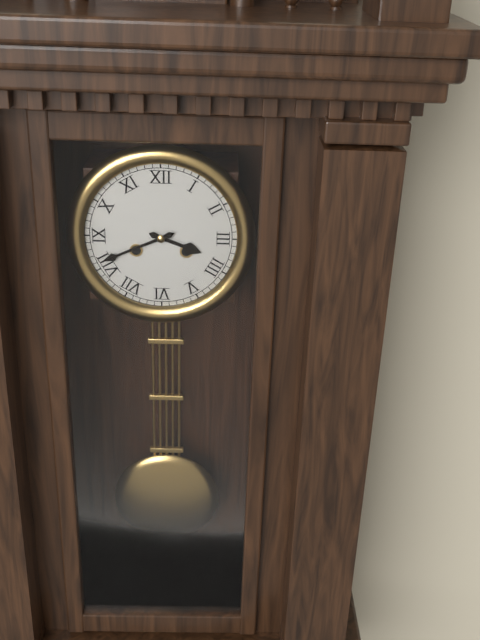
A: **3:41**
